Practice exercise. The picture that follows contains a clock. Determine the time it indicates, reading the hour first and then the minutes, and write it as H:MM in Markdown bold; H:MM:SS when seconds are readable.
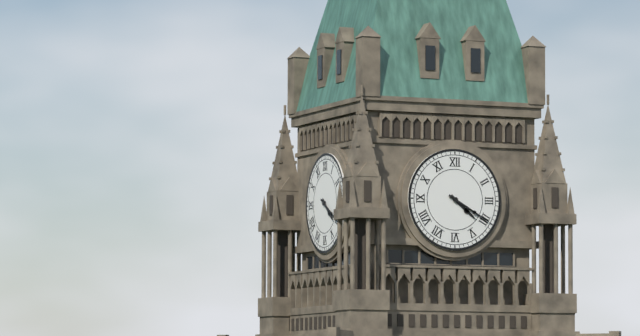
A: **4:20**
